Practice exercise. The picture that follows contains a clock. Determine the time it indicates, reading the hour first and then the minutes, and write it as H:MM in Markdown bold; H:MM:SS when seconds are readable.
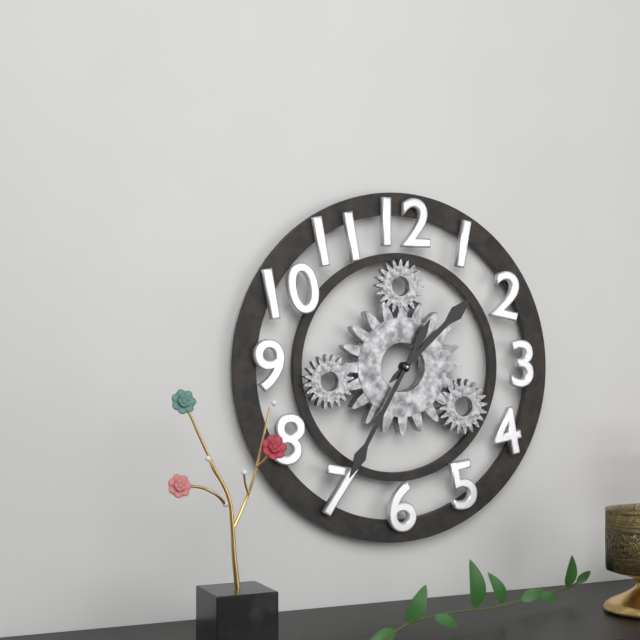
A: **1:35**
